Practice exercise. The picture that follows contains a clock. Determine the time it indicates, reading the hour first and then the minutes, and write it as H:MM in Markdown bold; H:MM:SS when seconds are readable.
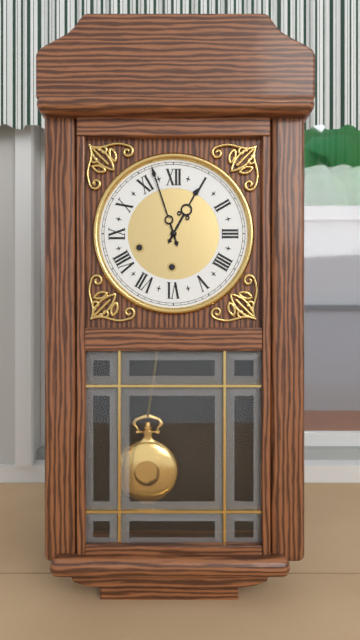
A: **12:57**
